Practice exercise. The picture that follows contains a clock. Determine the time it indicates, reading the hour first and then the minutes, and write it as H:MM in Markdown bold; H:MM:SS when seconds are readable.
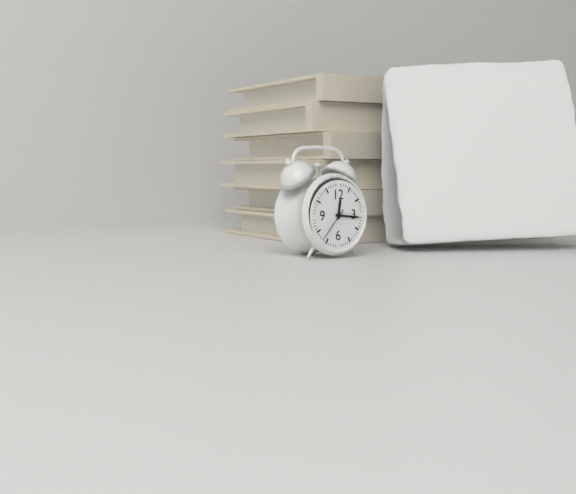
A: **12:16**
